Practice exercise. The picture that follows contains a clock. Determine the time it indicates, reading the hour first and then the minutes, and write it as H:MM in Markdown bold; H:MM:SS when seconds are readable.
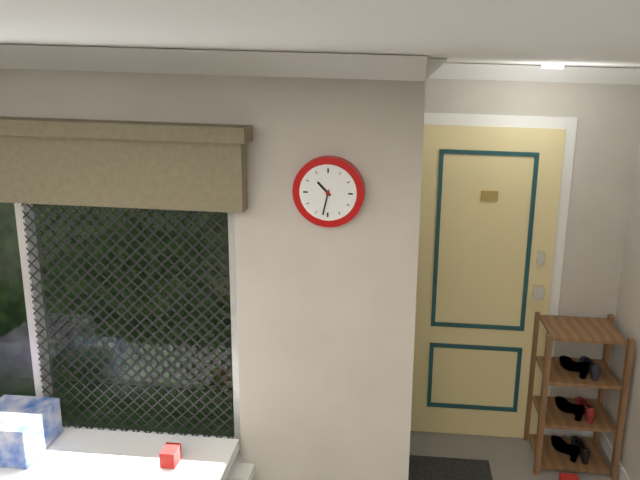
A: **10:32**
